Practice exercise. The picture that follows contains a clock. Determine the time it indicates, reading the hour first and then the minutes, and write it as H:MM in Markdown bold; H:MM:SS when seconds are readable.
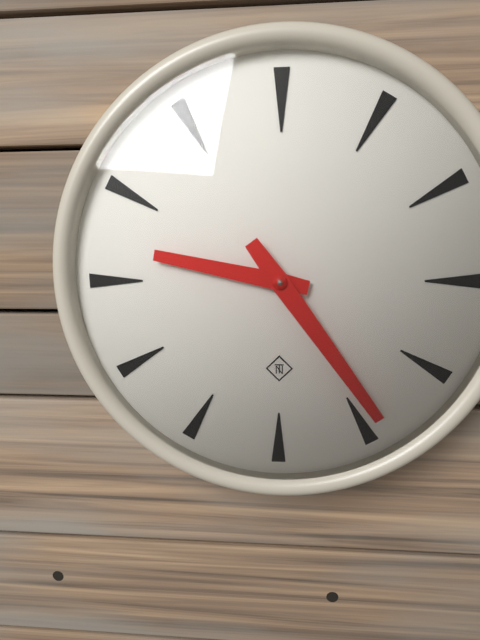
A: **9:24**
